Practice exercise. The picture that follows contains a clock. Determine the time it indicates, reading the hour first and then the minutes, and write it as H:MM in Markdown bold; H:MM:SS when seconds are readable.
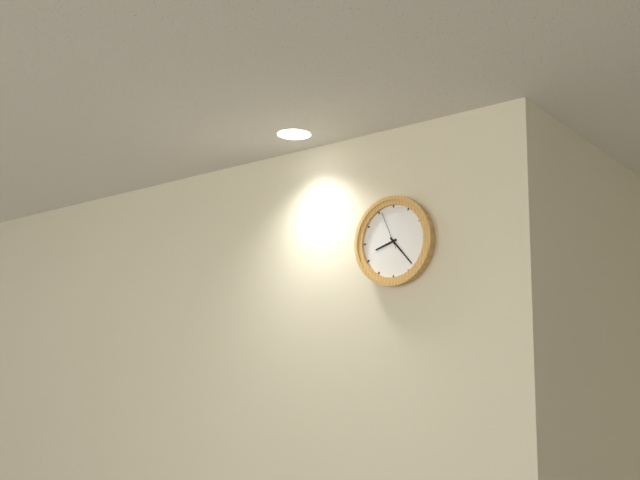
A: **8:23**
